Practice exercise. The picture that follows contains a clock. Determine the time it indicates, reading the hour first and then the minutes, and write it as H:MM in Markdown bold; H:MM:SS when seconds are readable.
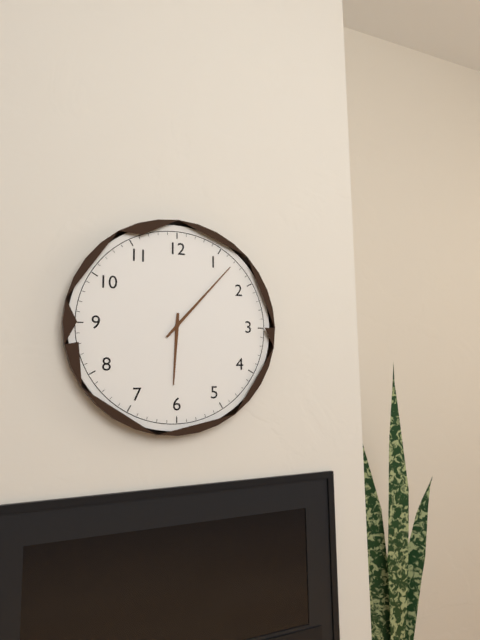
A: **6:07**
